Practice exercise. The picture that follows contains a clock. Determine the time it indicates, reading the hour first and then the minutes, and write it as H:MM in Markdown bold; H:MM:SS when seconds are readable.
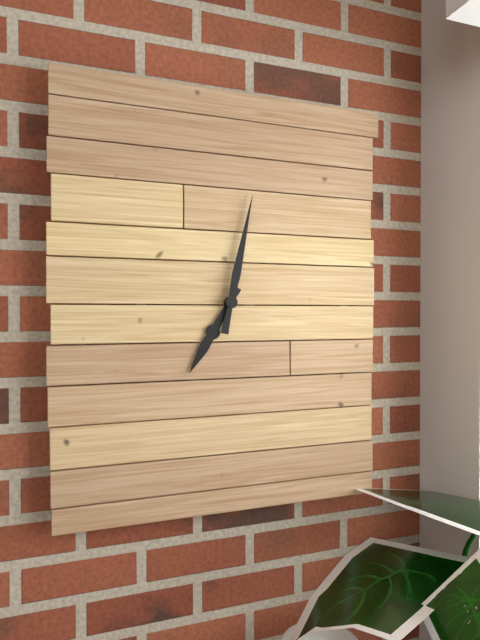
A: **7:02**
